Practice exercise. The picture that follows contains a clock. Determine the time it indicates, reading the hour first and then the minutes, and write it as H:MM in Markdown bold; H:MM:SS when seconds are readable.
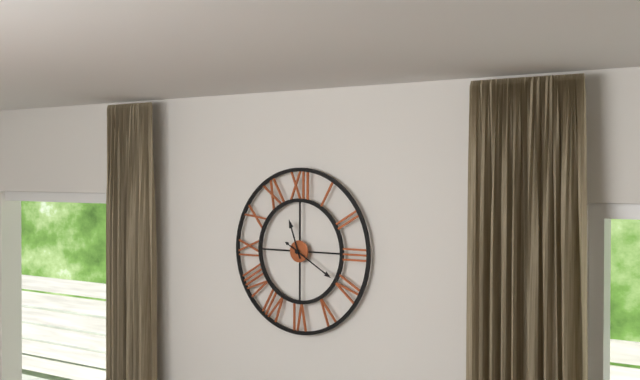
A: **11:20**
